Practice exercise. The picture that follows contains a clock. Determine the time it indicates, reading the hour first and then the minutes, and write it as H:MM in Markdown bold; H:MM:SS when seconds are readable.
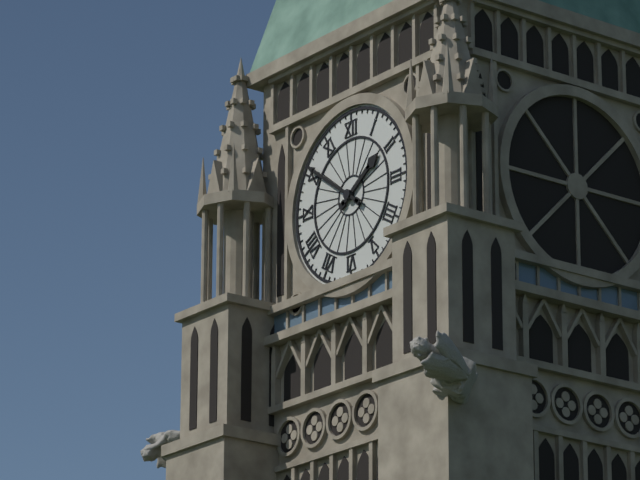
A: **1:51**
